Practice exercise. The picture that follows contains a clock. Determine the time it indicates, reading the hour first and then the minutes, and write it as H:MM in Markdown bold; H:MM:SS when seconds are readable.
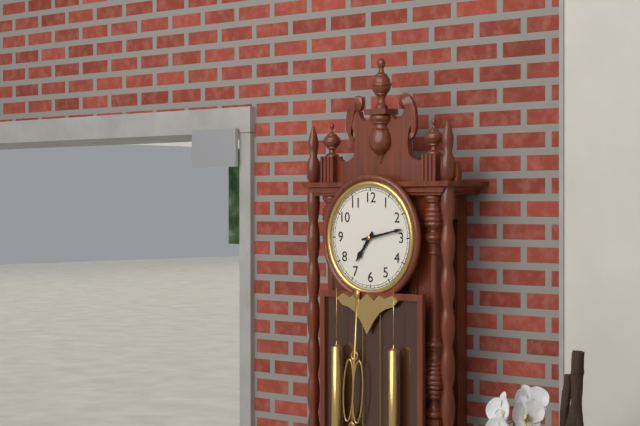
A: **7:13**
